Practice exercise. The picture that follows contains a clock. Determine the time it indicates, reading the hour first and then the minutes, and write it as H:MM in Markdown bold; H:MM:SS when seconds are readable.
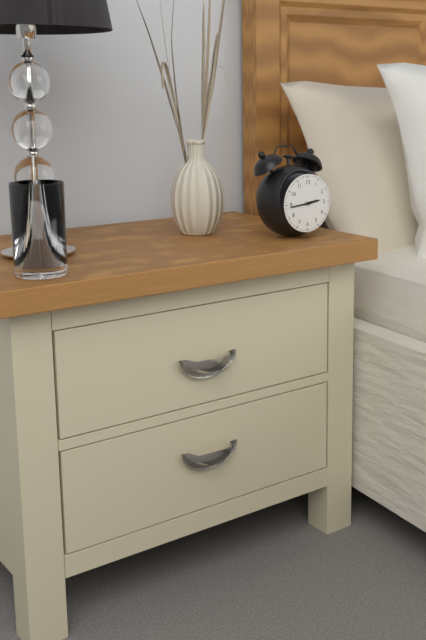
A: **2:44**
